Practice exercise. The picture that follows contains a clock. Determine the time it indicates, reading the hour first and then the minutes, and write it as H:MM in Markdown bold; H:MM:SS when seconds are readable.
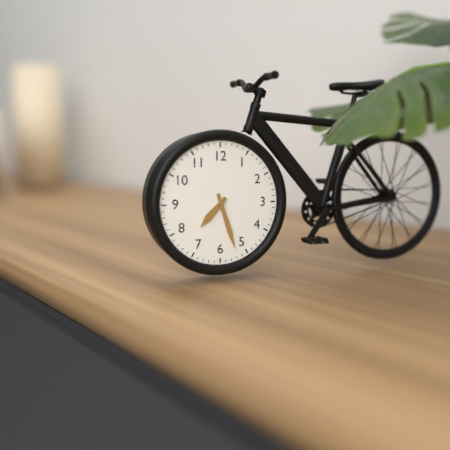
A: **7:27**
